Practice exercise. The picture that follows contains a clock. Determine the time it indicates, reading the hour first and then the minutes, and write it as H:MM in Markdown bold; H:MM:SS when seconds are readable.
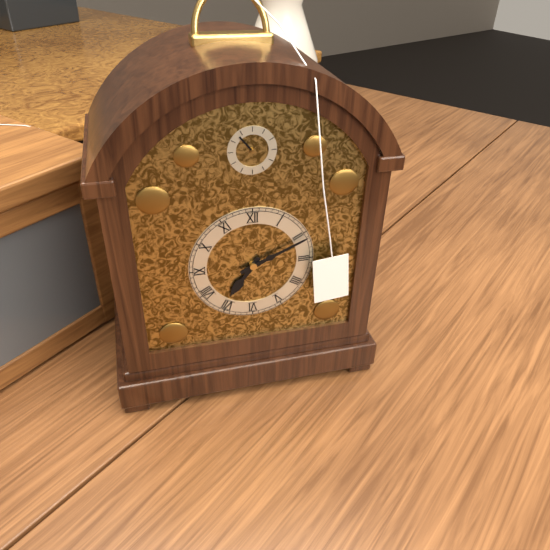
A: **7:11**
